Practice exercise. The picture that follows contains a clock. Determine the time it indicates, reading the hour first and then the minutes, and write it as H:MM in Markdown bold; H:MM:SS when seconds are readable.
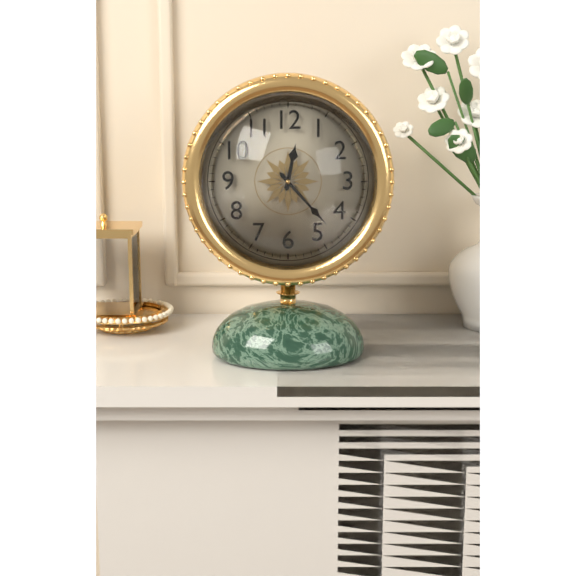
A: **12:23**
